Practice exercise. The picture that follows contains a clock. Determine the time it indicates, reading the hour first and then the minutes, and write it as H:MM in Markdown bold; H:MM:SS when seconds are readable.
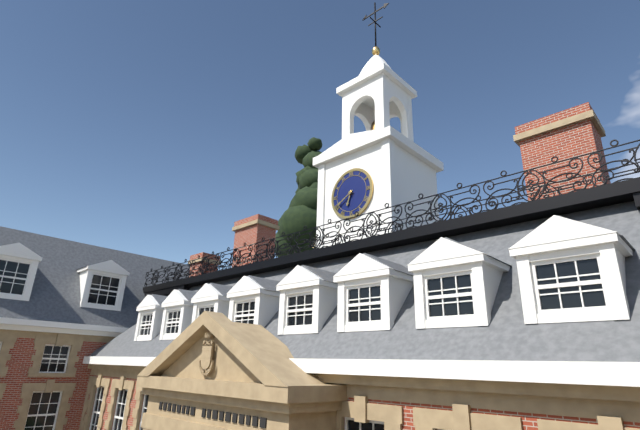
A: **6:40**
